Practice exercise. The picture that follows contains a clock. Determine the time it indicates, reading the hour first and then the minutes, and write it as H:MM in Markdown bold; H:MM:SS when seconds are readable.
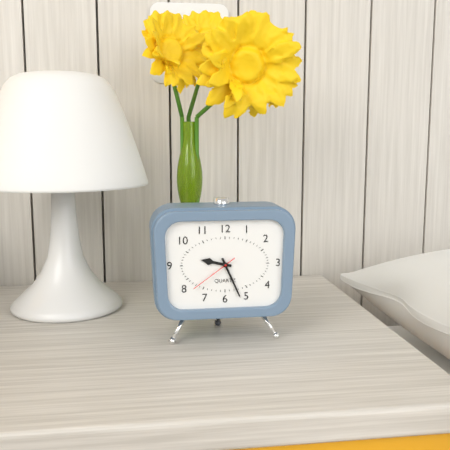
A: **9:26**
